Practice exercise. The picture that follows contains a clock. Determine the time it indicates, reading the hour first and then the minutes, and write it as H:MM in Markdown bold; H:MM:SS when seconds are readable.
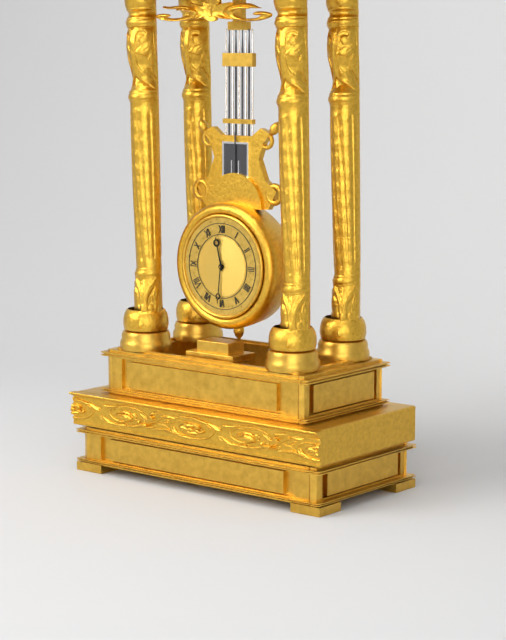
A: **11:31**
